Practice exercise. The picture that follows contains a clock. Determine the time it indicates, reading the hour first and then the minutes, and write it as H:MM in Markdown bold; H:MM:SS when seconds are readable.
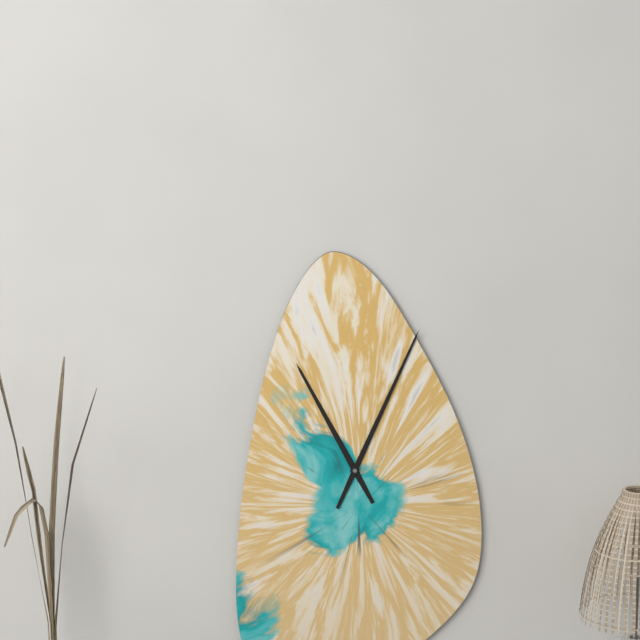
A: **11:04**
